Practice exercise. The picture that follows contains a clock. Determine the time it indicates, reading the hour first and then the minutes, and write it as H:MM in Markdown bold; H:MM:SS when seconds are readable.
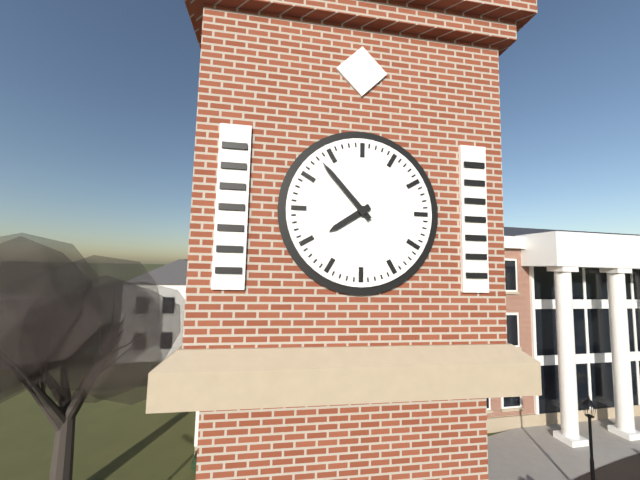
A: **7:53**
